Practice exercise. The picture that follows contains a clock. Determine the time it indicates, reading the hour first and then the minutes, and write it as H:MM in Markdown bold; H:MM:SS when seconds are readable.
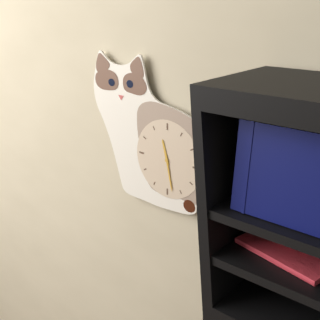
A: **11:28**
